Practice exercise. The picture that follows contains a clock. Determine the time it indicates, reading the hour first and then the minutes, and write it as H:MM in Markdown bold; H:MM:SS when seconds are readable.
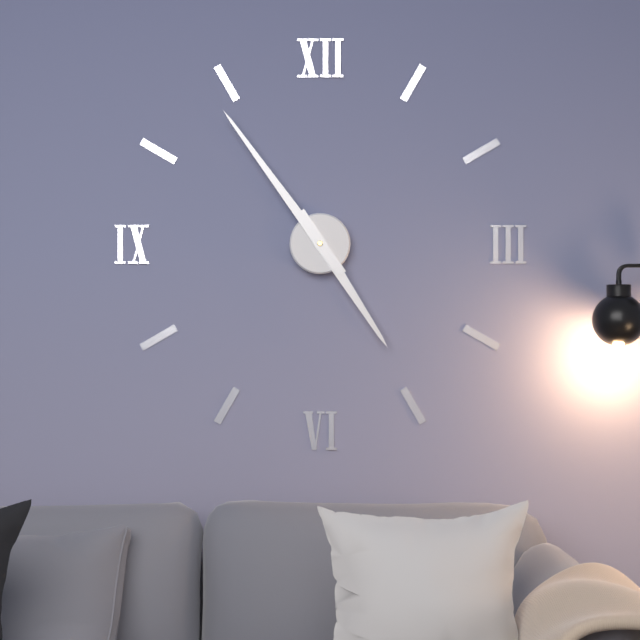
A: **4:54**
